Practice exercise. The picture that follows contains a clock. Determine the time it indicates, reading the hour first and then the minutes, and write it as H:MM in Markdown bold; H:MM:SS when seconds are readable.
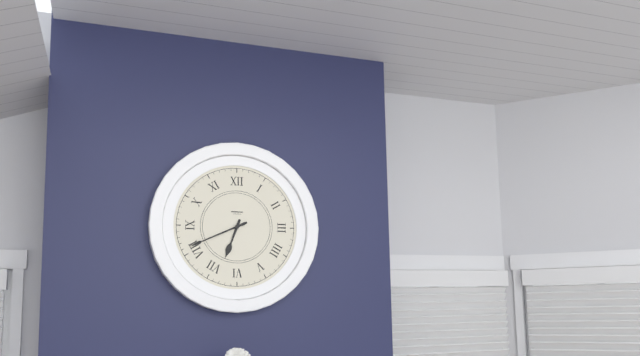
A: **6:41**
